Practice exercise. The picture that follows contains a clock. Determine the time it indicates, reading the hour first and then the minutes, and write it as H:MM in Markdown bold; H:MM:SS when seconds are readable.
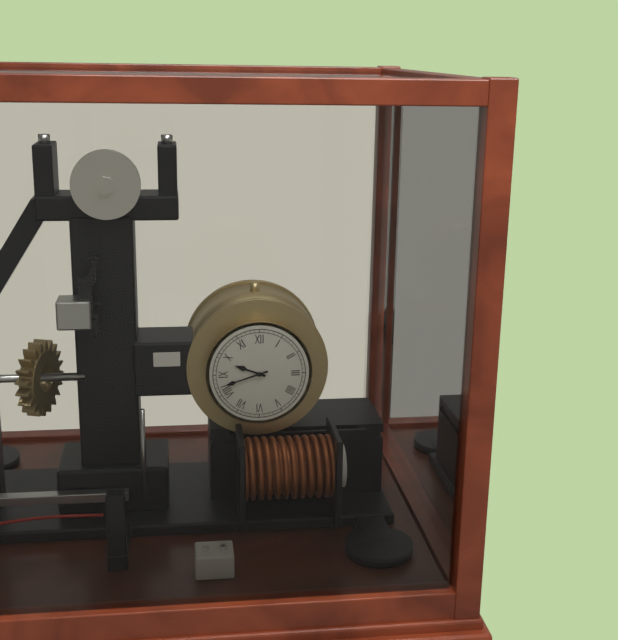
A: **9:42**
